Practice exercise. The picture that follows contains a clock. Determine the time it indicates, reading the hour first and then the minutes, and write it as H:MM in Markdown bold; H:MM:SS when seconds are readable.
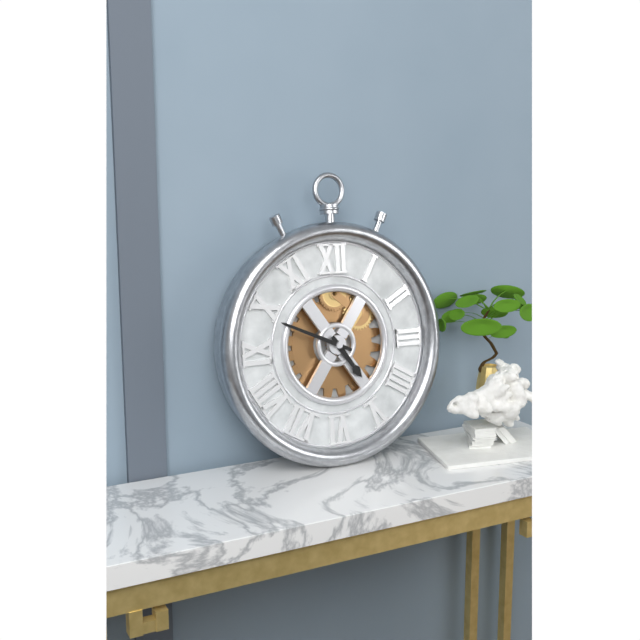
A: **4:49**
